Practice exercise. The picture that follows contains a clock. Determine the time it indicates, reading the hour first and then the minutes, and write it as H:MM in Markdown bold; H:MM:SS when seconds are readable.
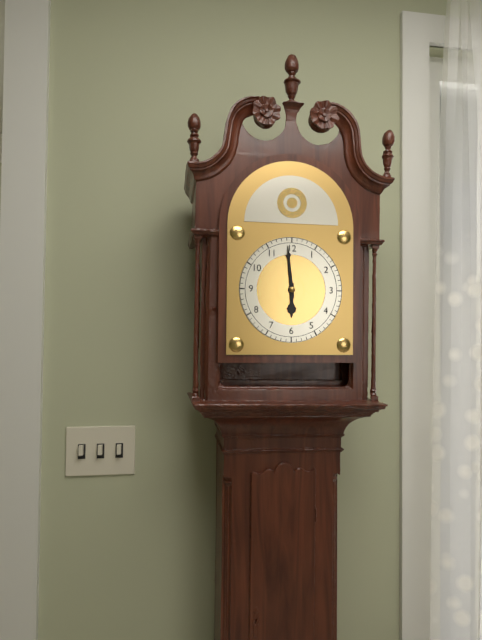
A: **5:59**
